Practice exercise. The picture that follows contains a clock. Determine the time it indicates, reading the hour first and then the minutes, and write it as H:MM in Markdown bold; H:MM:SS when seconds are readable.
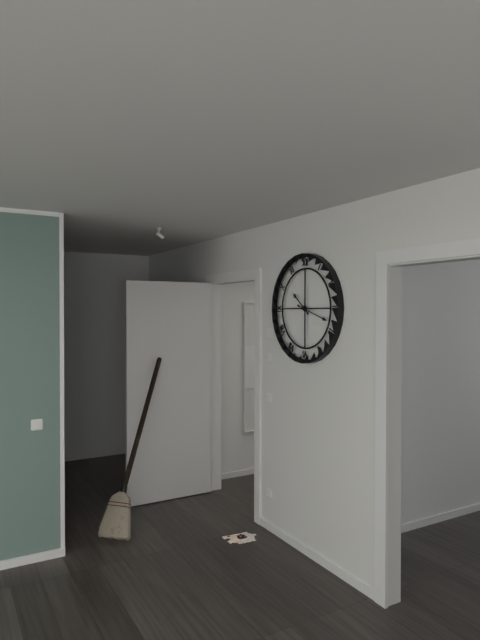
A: **10:18**
